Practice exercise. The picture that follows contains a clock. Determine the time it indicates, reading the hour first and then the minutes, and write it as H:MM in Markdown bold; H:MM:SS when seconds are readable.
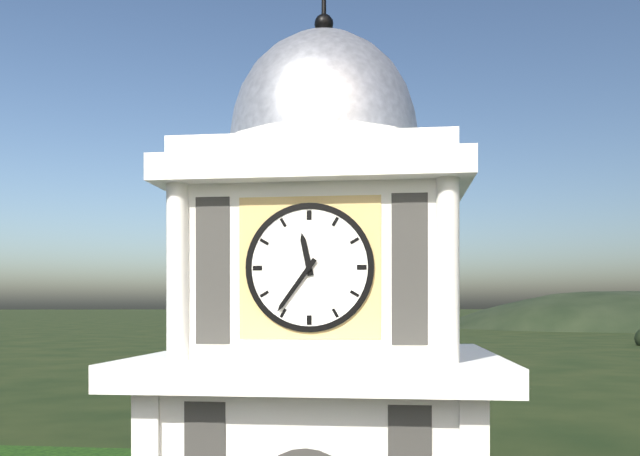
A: **11:36**
